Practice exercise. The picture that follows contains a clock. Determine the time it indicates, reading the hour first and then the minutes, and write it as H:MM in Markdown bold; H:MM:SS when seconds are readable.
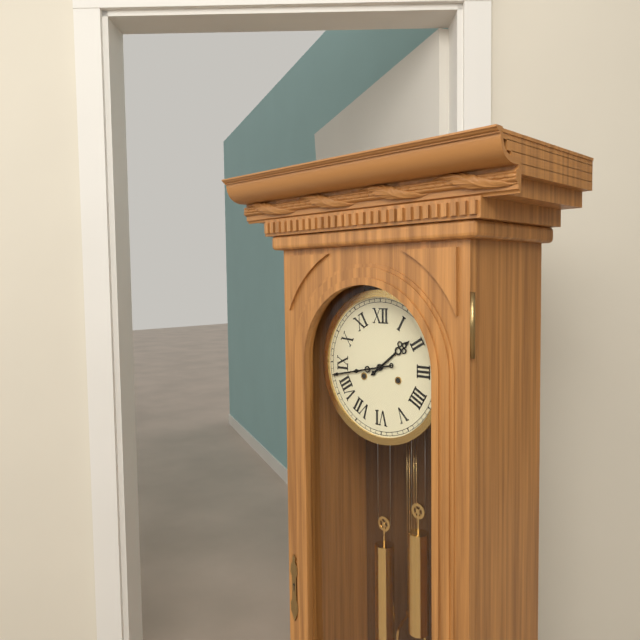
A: **1:43**
